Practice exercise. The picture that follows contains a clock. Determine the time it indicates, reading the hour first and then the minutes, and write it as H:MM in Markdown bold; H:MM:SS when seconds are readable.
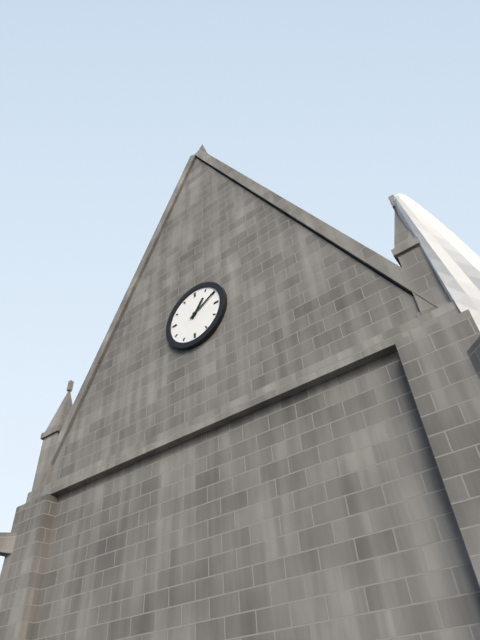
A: **1:10**
